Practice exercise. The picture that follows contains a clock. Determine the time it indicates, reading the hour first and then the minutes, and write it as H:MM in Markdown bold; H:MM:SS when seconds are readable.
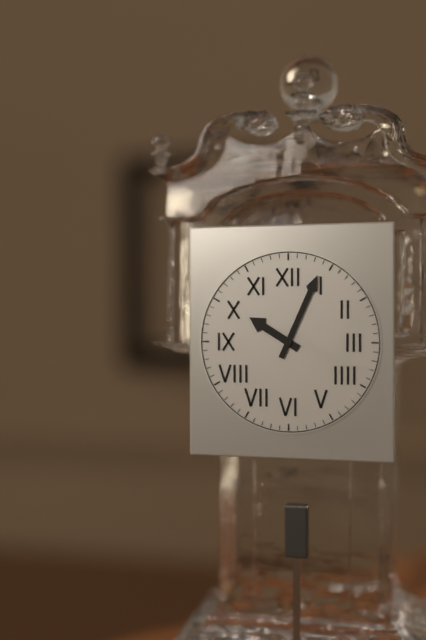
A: **10:04**
